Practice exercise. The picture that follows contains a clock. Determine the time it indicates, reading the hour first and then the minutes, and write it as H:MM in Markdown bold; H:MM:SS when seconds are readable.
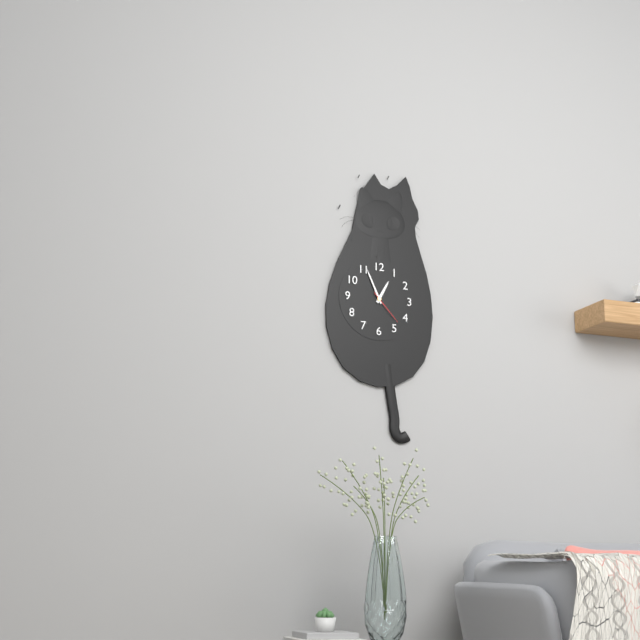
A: **12:56**
